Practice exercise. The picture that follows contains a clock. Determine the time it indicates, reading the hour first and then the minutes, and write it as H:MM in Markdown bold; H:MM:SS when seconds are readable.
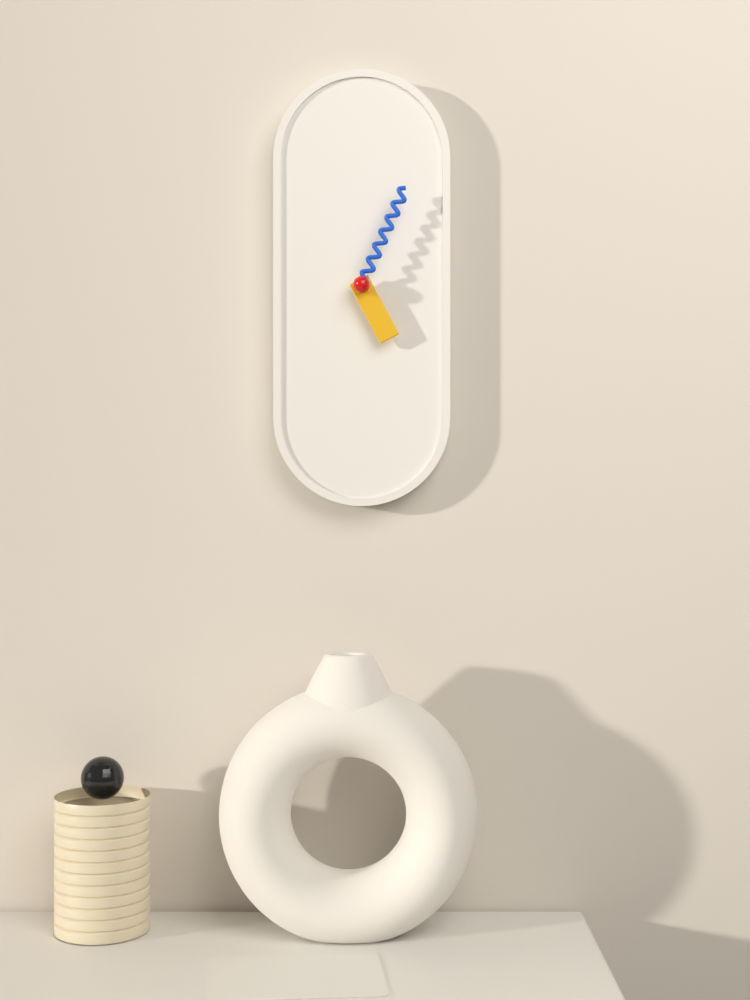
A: **5:04**
